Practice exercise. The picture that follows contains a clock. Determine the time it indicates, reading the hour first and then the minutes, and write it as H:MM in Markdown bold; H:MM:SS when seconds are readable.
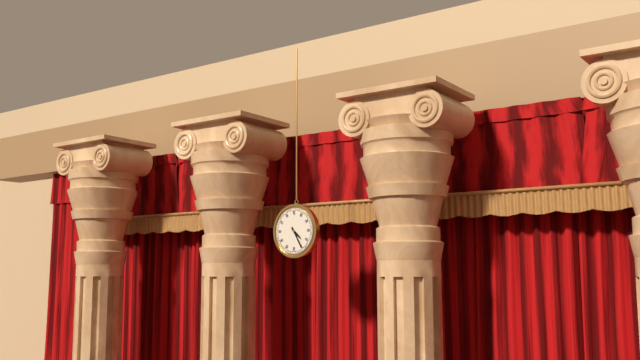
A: **4:25**
